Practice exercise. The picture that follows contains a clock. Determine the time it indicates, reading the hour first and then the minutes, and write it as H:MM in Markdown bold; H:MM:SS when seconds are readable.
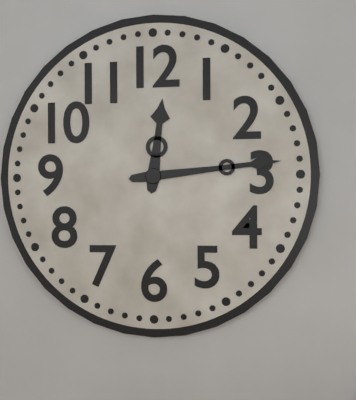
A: **12:14**
